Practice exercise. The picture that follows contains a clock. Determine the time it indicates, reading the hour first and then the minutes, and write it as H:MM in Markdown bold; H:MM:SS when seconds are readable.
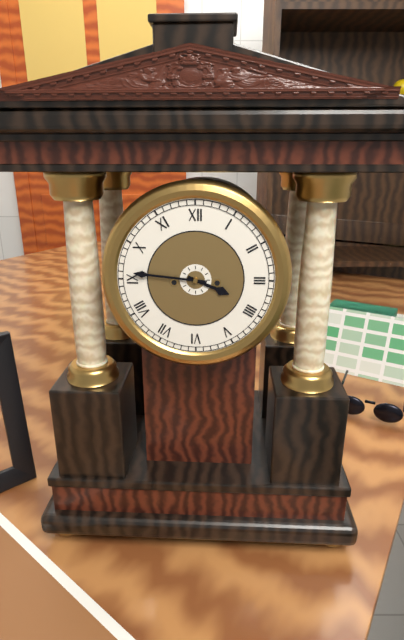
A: **3:46**
